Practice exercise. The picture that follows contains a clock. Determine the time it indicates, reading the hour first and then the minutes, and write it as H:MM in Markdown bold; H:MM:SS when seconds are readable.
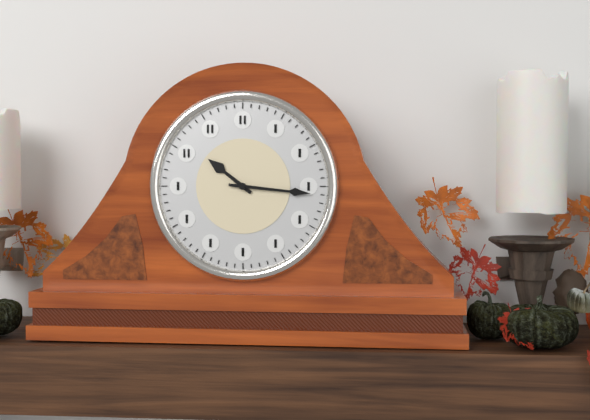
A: **10:16**
